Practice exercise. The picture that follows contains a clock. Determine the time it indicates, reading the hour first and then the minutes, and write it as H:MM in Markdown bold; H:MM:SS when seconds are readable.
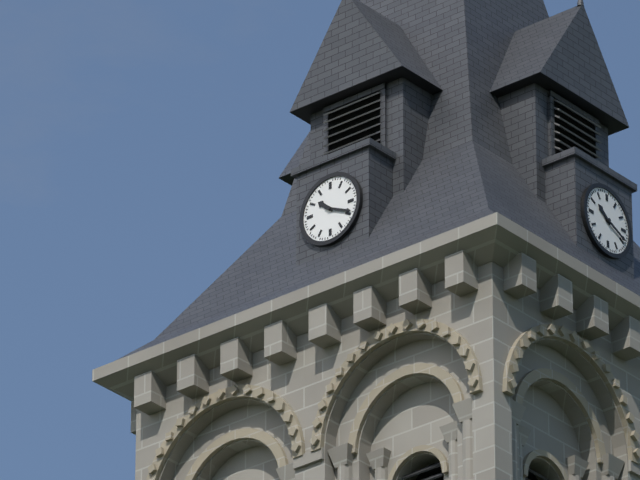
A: **10:19**
